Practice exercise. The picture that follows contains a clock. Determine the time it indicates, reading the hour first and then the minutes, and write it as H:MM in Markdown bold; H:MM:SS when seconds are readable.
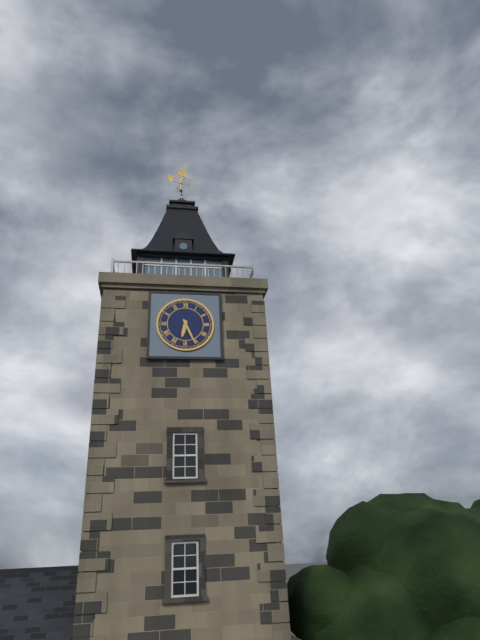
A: **6:26**
